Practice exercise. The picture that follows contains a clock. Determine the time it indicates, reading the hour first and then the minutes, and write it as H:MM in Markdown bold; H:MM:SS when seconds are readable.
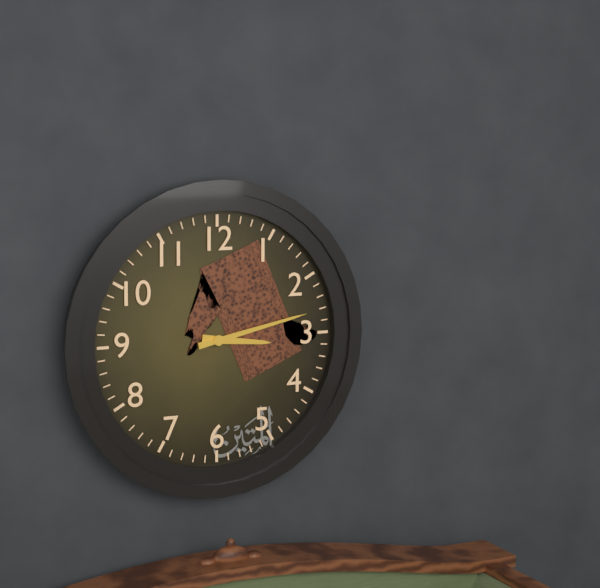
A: **3:13**
